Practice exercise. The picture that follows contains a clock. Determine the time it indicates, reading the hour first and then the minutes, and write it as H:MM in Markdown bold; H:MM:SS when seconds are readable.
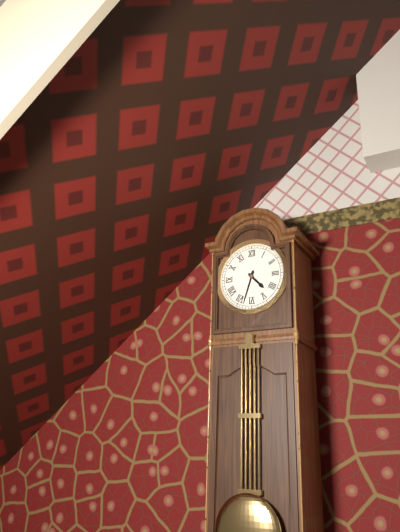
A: **4:33**
